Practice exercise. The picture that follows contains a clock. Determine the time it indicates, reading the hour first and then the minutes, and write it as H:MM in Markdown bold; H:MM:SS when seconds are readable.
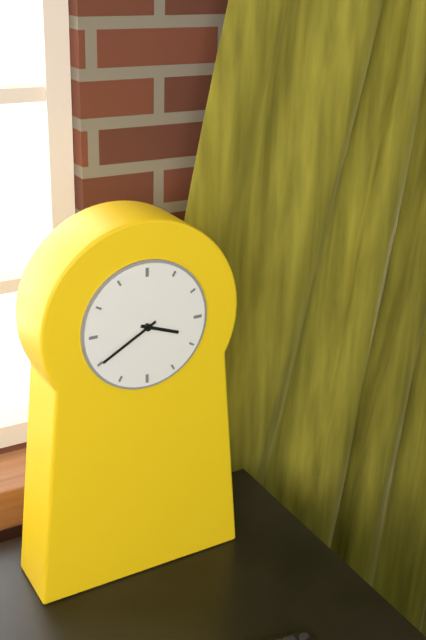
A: **3:40**
